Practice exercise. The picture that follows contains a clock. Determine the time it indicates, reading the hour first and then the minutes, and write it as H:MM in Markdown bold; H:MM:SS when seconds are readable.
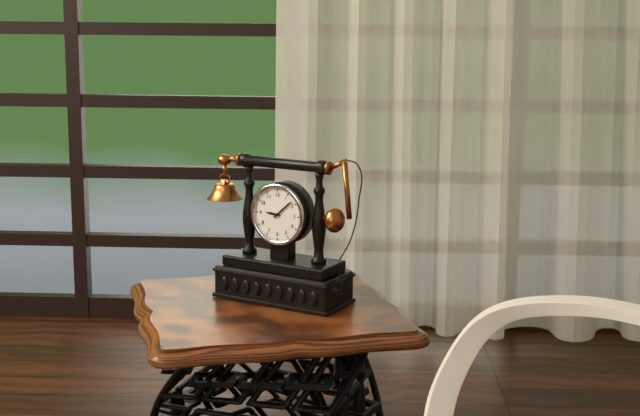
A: **9:08**
